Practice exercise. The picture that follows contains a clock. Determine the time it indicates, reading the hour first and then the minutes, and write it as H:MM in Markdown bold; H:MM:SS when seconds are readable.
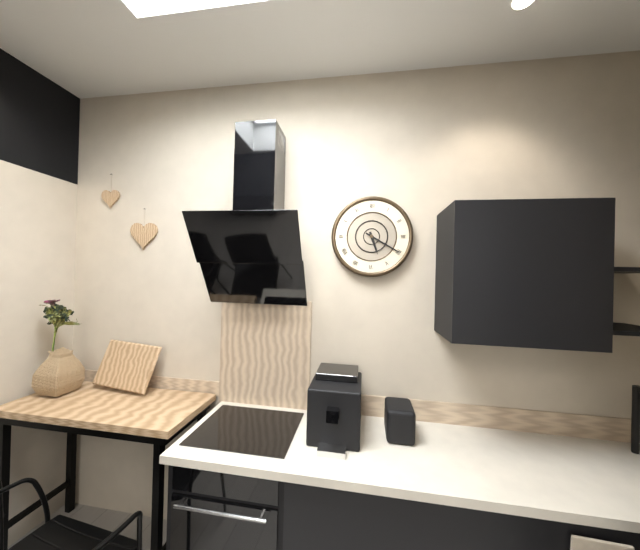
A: **5:20**
